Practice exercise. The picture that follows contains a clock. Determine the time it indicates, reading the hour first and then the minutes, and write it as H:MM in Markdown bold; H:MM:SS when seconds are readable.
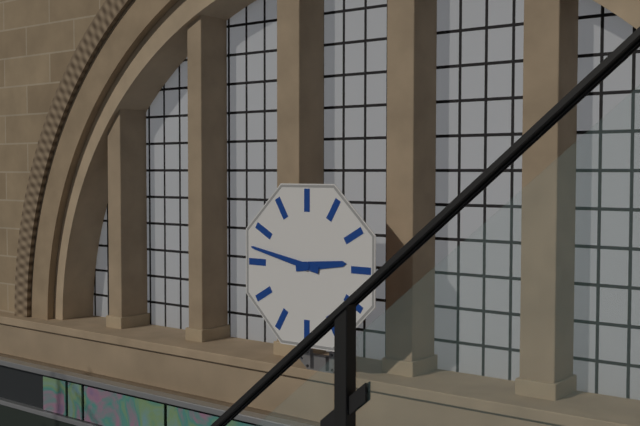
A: **2:47**
